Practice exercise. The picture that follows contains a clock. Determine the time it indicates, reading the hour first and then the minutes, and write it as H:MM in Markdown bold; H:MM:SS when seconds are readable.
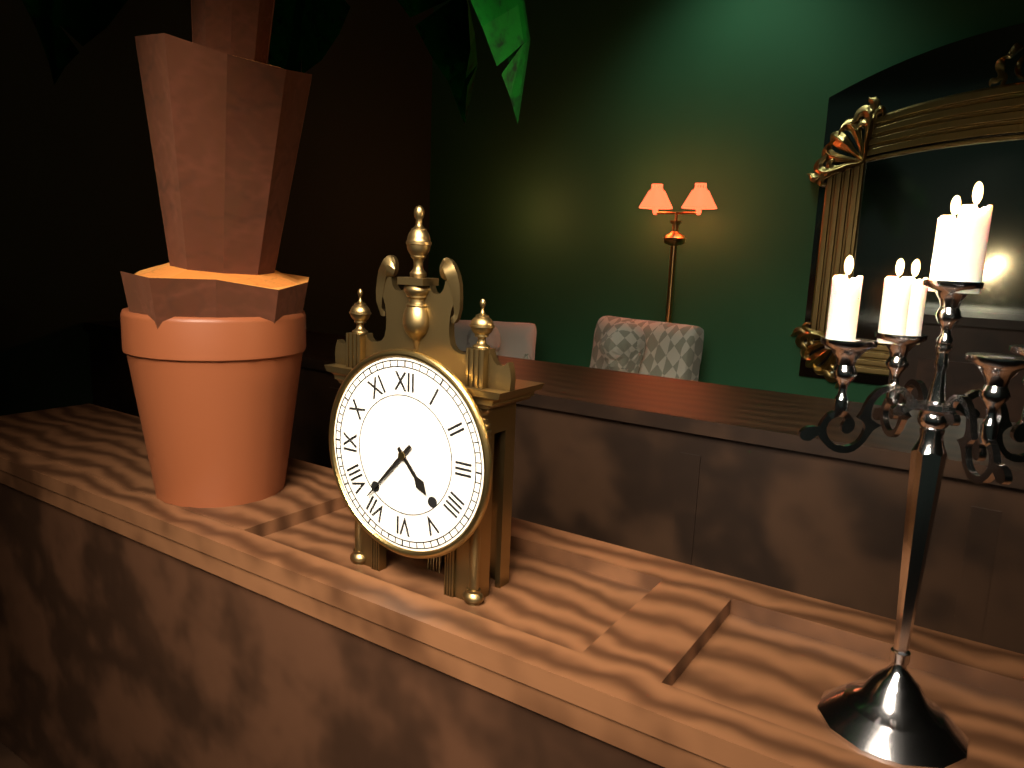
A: **4:37**
